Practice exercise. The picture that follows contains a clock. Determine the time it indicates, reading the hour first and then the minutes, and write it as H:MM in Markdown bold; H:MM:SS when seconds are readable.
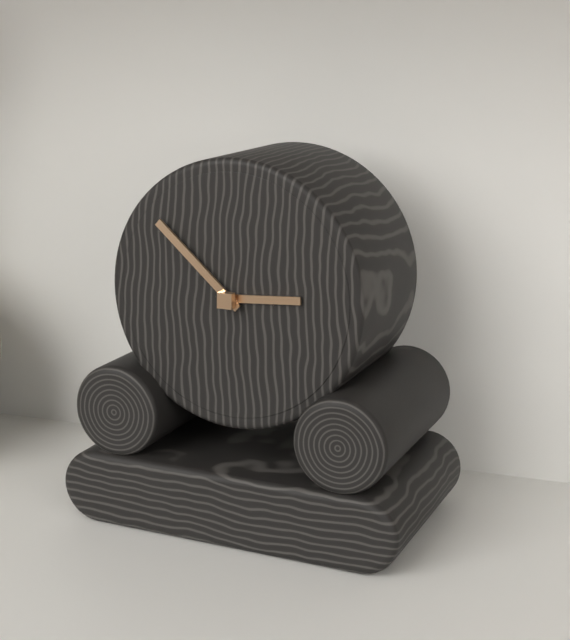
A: **2:52**
